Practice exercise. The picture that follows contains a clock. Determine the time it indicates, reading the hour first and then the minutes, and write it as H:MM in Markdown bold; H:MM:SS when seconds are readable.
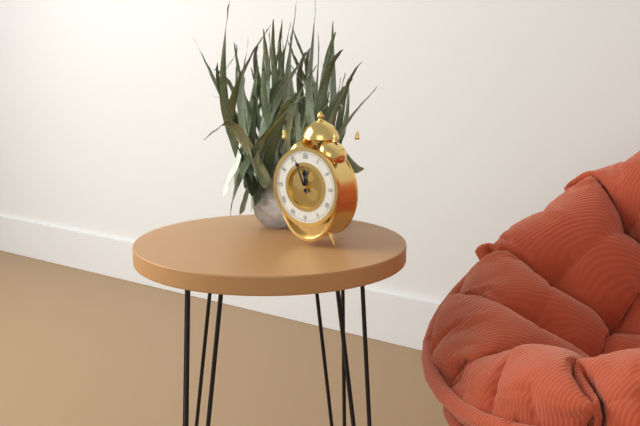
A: **11:56**
